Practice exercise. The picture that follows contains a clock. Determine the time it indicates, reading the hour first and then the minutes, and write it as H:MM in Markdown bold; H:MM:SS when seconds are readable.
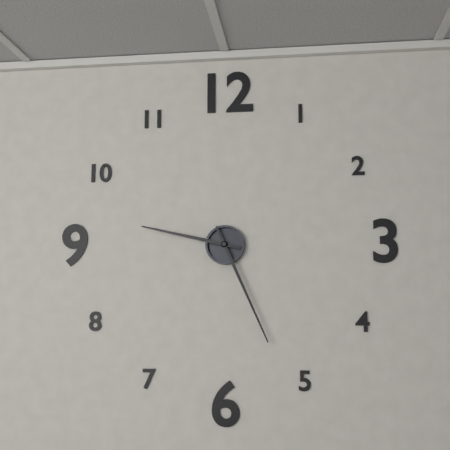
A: **9:26**
